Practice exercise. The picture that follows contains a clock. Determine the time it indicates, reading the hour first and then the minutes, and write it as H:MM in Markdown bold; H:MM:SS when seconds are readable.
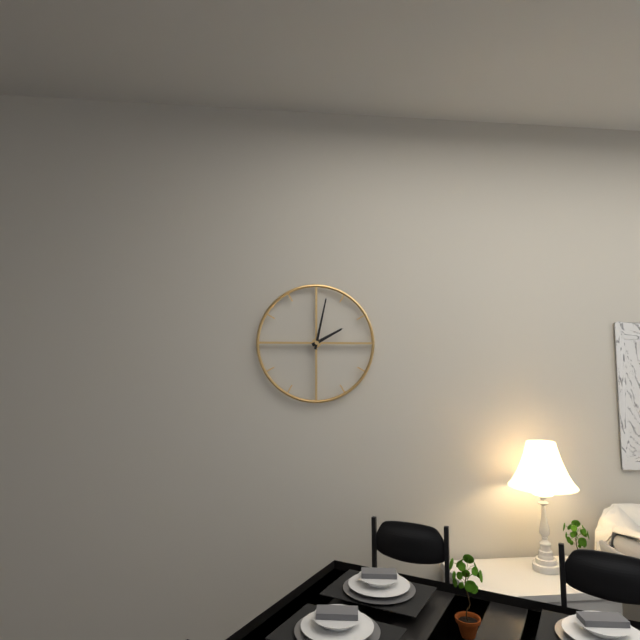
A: **2:02**
